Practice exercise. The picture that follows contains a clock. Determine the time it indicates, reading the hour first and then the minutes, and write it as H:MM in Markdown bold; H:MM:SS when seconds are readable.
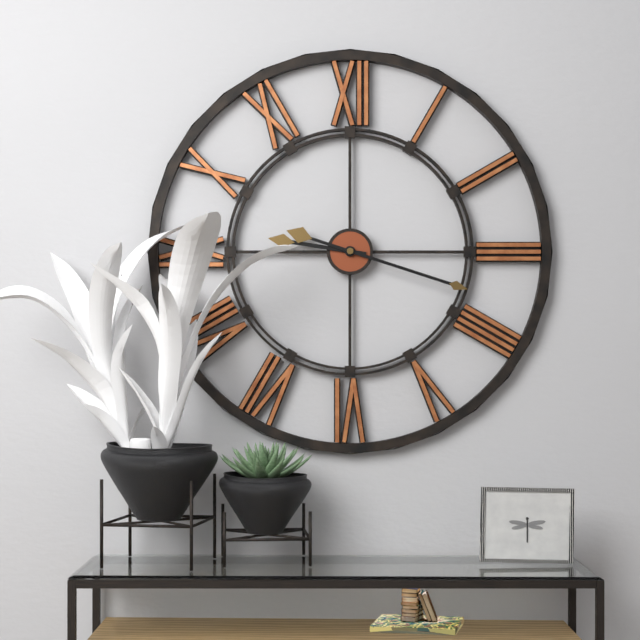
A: **9:18**
